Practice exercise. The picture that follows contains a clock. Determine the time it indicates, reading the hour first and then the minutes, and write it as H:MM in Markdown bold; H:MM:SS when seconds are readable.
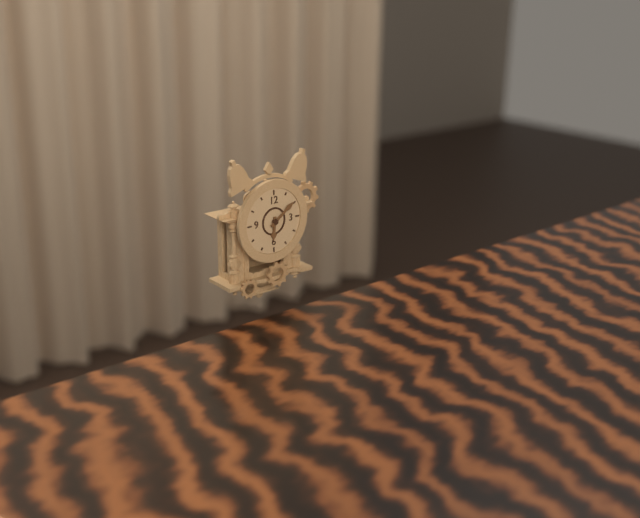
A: **6:09**
